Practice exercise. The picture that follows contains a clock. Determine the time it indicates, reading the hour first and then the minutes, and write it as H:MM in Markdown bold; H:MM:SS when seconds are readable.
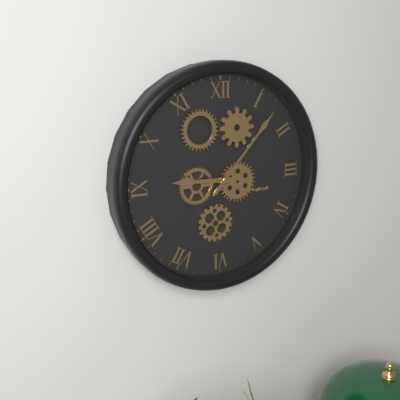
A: **9:07**
